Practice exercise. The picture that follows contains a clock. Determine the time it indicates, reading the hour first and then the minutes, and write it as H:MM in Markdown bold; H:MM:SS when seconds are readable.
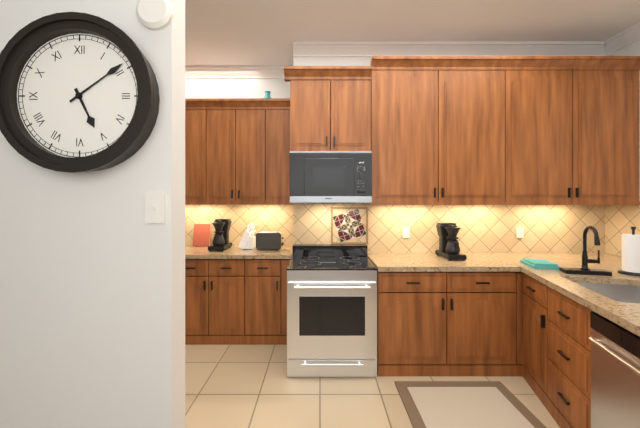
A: **5:09**
